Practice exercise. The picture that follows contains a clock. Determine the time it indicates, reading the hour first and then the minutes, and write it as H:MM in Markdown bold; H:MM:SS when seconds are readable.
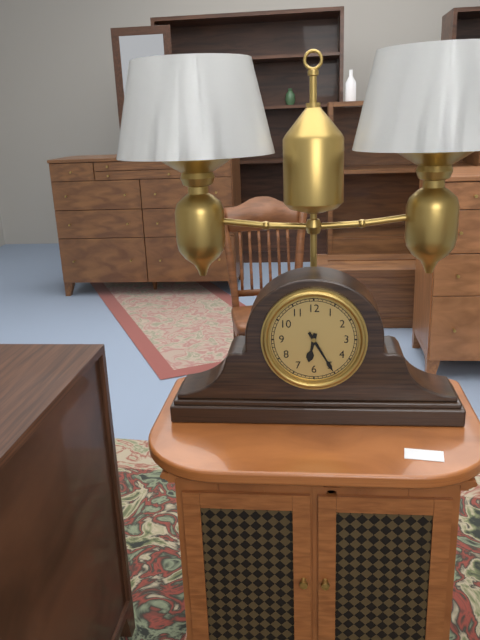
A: **6:25**
